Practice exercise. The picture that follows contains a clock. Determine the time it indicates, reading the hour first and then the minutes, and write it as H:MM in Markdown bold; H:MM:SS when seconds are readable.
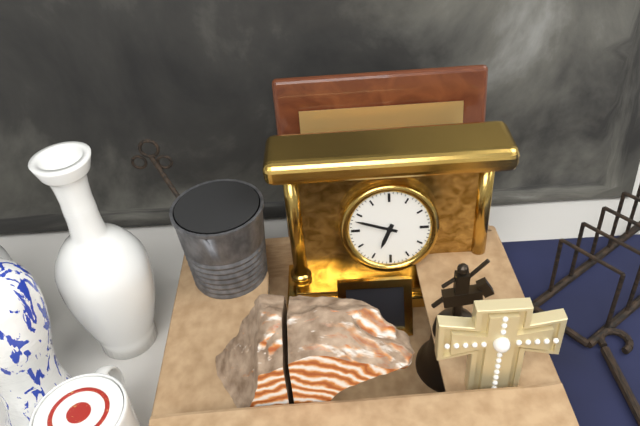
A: **6:48**
